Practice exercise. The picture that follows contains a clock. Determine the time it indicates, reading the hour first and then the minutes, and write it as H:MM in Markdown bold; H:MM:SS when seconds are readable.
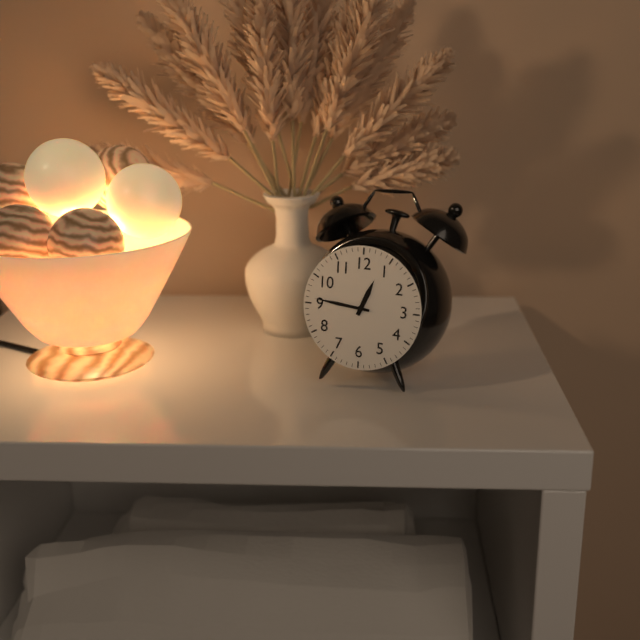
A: **12:46**
